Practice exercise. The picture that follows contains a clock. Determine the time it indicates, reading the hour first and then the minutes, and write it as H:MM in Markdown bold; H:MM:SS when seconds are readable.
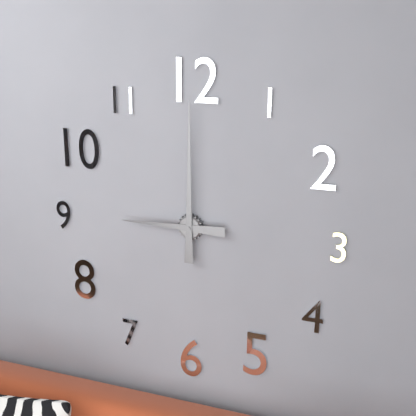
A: **9:00**
